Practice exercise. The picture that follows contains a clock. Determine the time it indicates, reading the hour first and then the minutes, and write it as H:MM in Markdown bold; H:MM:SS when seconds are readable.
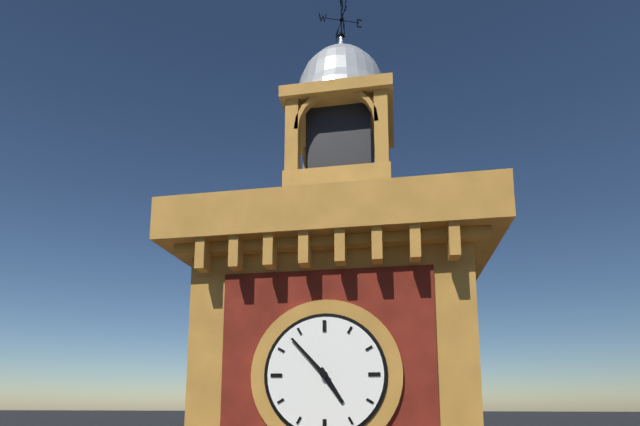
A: **4:53**
